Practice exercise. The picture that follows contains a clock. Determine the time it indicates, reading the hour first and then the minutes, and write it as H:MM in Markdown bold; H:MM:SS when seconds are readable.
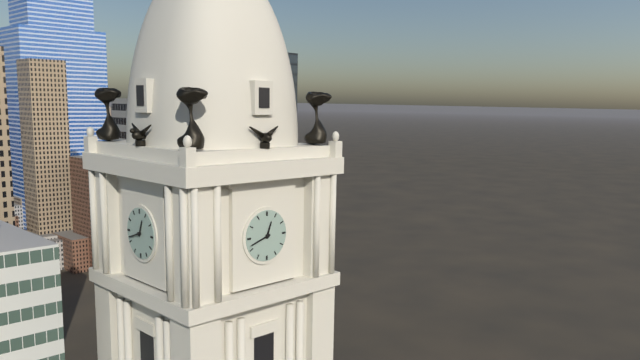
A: **12:42**
